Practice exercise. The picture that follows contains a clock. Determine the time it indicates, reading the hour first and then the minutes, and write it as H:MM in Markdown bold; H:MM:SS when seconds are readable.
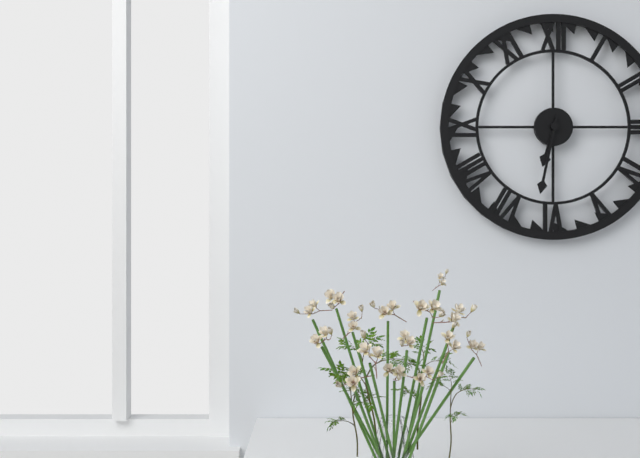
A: **6:32**
